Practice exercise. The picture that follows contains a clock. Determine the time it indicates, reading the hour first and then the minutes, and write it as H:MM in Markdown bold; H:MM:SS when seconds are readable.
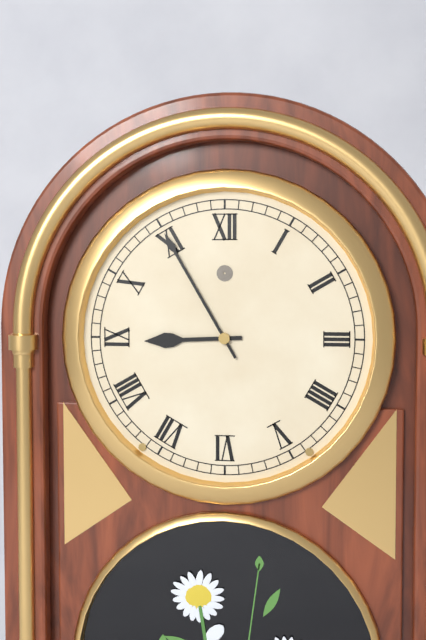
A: **8:55**
